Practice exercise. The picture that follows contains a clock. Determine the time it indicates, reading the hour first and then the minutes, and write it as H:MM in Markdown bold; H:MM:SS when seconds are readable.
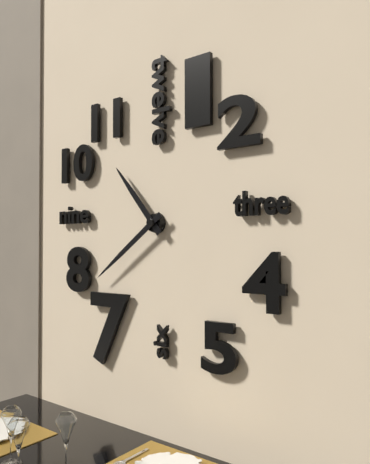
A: **10:39**
